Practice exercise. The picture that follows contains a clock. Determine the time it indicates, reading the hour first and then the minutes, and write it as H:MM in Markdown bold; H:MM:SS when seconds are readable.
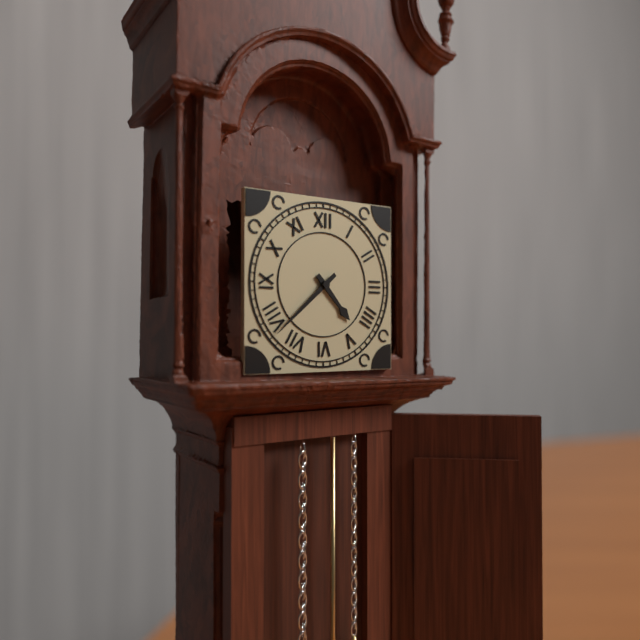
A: **4:38**
